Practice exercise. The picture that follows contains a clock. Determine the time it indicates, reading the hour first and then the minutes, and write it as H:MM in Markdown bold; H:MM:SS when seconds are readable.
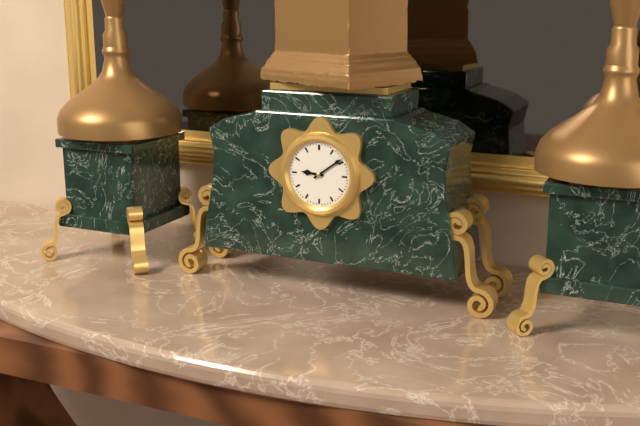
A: **9:09**
